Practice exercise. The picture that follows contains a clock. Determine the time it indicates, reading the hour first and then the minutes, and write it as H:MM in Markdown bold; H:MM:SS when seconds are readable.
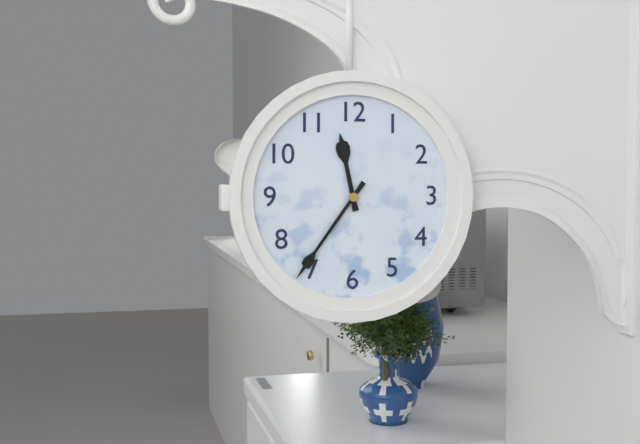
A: **11:36**
